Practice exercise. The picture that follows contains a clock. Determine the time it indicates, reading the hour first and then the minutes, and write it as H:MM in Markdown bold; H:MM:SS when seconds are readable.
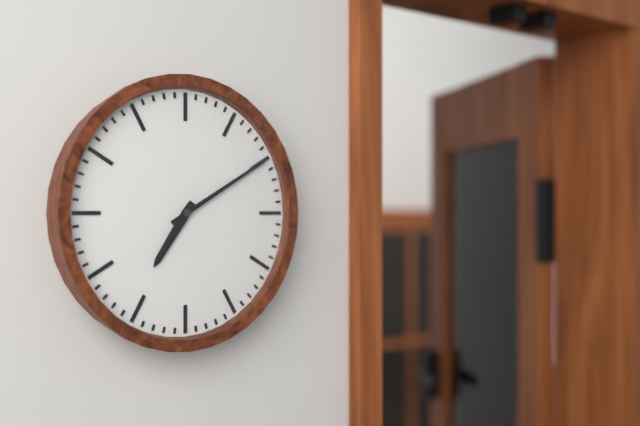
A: **7:10**
